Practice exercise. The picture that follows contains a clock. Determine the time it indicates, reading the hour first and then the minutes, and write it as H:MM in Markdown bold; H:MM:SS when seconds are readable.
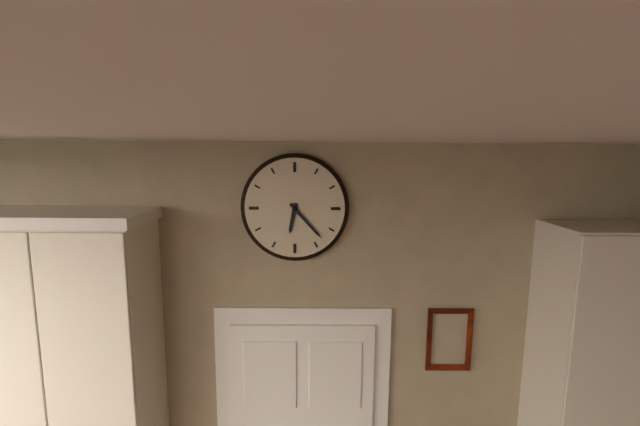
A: **6:23**
